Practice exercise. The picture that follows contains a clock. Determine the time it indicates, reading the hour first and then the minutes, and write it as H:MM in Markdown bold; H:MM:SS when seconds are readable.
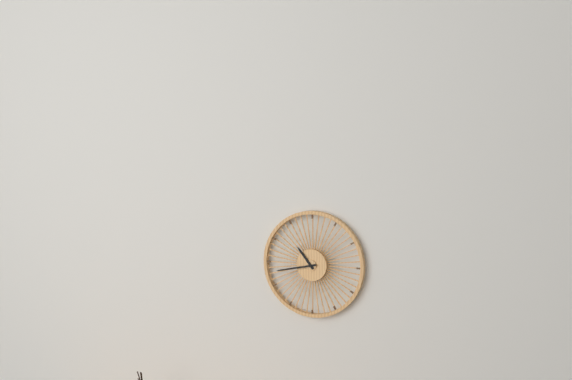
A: **10:43**
